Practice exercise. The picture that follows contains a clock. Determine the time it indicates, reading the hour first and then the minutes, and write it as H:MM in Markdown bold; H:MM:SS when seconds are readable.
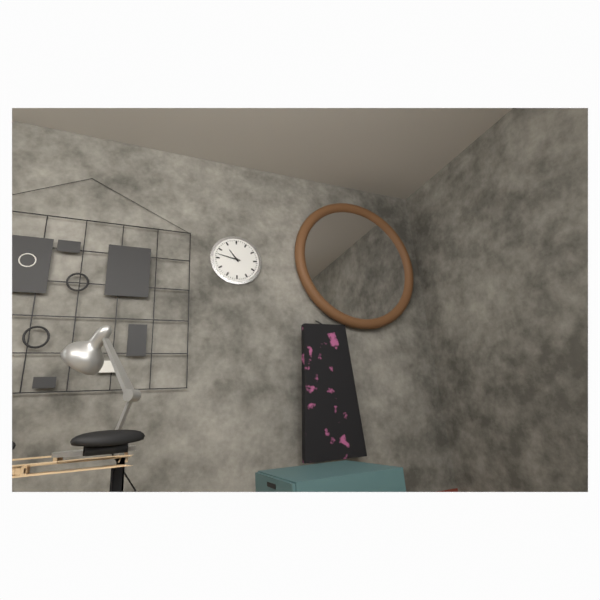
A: **10:47**
